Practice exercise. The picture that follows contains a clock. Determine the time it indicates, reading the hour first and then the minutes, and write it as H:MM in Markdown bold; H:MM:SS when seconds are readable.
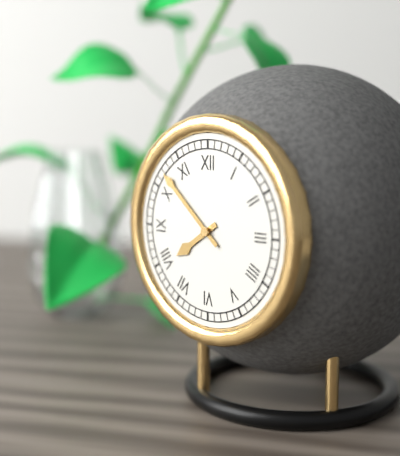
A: **7:52**
